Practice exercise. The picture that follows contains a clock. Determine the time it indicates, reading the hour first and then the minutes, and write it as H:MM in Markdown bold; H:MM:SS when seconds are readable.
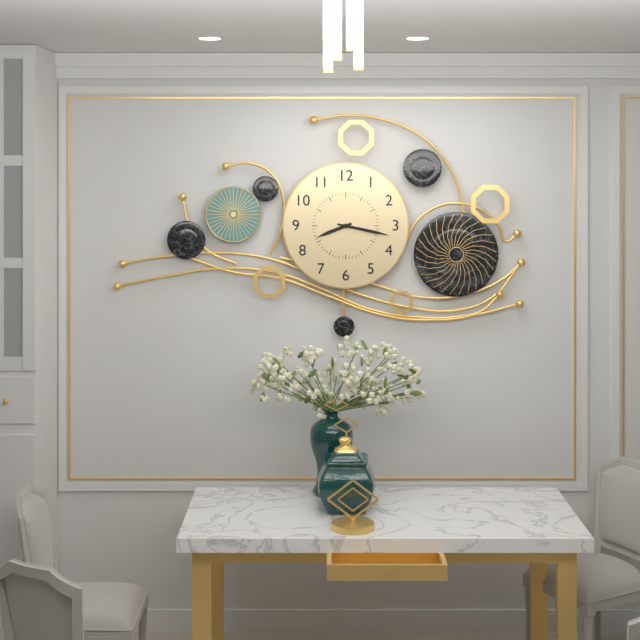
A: **8:17**
